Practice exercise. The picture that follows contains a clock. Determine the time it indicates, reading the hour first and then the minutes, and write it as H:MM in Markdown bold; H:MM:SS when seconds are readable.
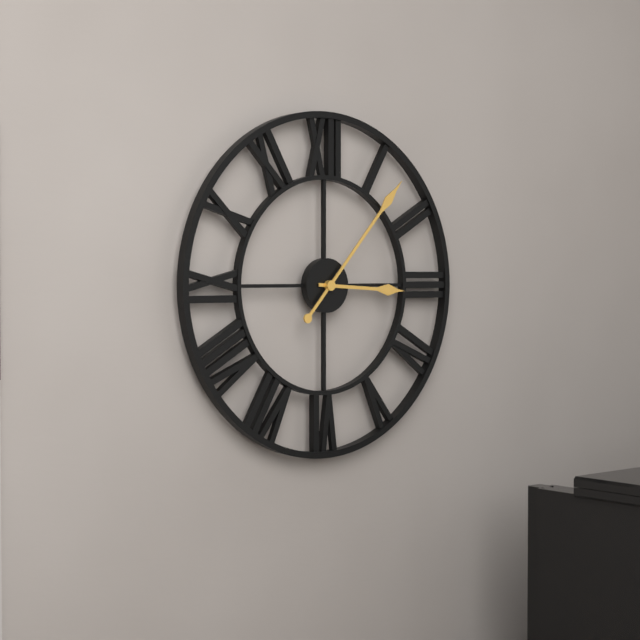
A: **3:07**
